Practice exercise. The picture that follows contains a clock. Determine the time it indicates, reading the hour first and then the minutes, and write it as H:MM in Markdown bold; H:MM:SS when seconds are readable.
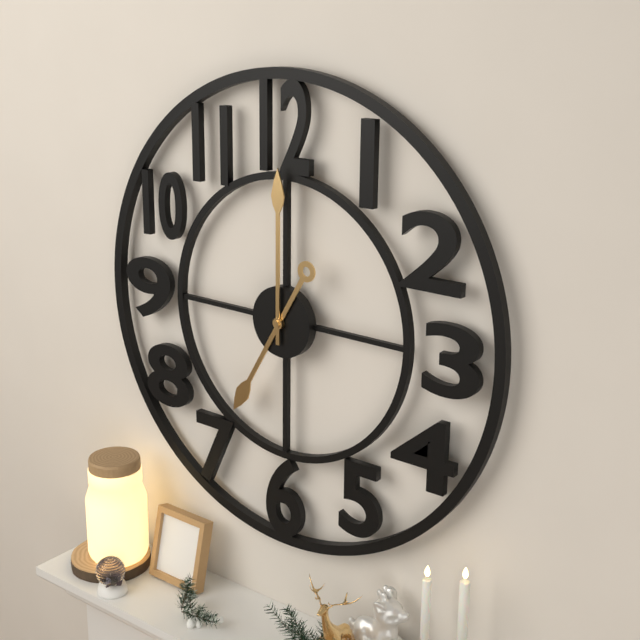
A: **7:00**
